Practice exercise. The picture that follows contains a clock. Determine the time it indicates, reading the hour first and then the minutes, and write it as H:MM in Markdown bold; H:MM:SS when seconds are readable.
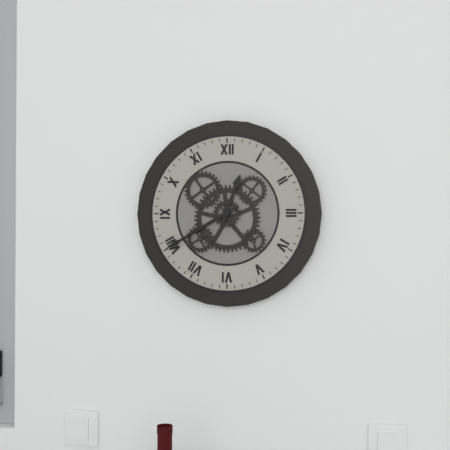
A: **12:40**
